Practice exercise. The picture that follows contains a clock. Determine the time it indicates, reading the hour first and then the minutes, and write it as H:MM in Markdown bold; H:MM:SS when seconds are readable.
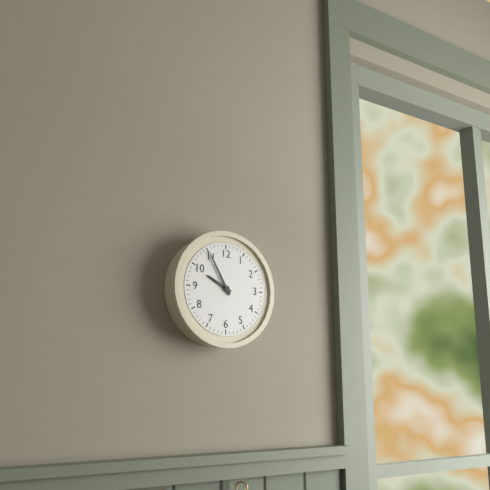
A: **9:55**
